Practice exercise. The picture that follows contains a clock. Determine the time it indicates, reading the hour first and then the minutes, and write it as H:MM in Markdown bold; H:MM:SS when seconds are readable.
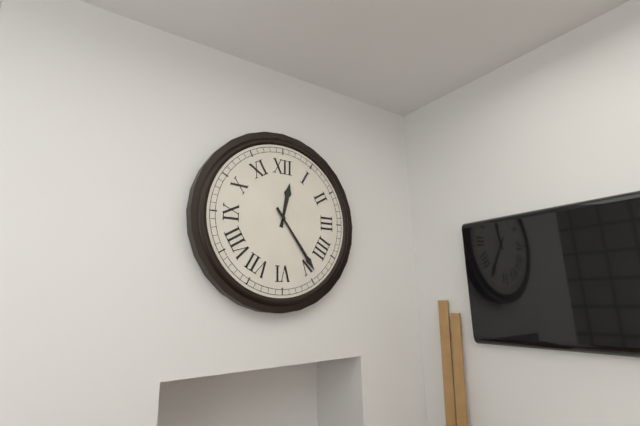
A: **12:24**
